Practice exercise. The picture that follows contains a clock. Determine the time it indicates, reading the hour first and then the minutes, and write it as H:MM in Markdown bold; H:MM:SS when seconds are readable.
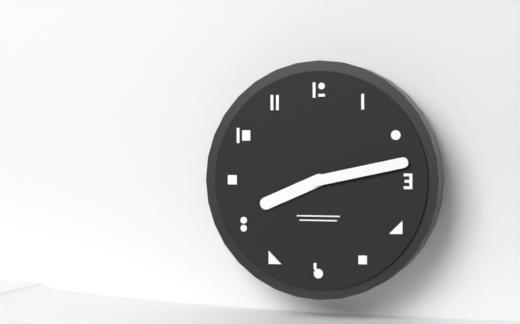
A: **8:13**
